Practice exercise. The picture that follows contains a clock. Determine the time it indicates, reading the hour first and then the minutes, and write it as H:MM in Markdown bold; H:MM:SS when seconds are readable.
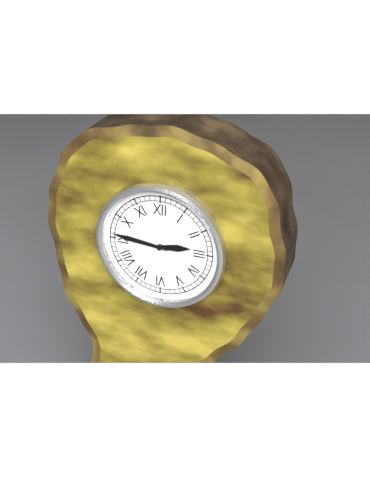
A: **2:46**
